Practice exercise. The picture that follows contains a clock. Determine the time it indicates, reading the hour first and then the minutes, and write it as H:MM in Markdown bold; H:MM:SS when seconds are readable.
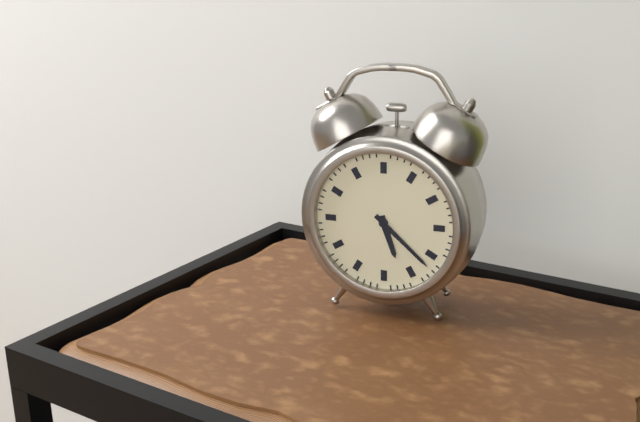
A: **5:22**
